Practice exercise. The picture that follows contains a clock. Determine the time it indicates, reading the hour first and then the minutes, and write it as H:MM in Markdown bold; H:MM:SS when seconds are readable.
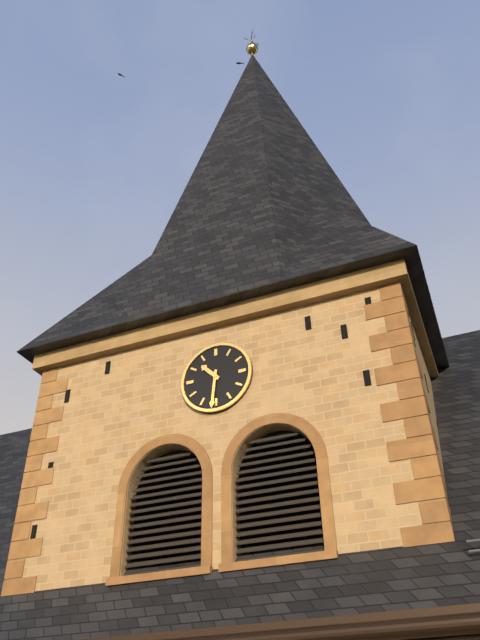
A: **10:31**
